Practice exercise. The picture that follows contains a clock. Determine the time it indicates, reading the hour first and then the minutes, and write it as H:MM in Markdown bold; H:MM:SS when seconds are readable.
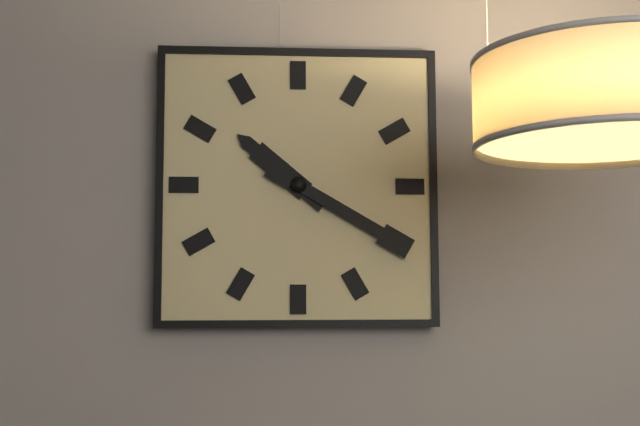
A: **10:20**
